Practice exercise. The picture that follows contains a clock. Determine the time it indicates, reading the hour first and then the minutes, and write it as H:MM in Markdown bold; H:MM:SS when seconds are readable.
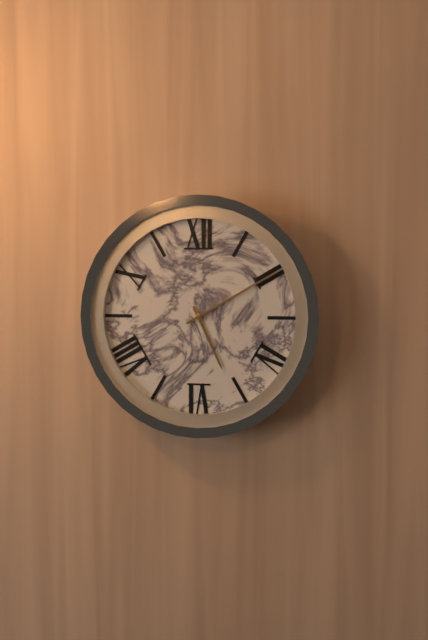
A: **5:10**
